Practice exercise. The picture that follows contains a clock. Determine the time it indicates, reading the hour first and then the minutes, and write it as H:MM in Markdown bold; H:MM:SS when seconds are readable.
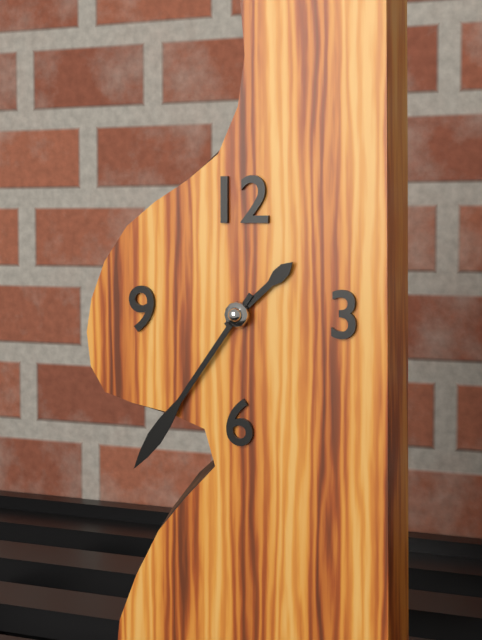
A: **1:36**
